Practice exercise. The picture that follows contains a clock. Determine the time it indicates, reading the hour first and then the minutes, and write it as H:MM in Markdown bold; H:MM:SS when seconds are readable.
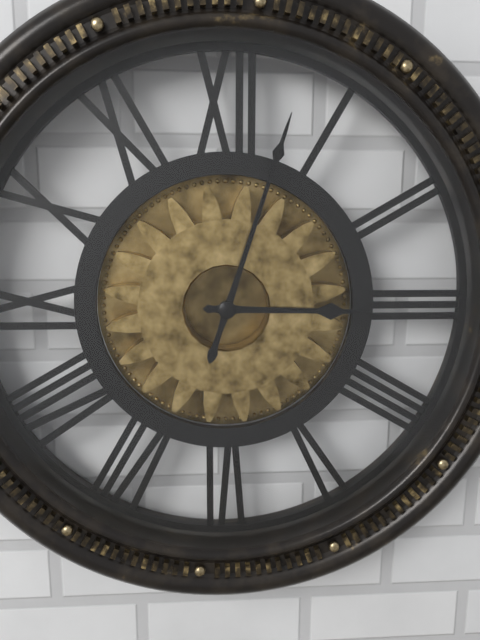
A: **3:03**
